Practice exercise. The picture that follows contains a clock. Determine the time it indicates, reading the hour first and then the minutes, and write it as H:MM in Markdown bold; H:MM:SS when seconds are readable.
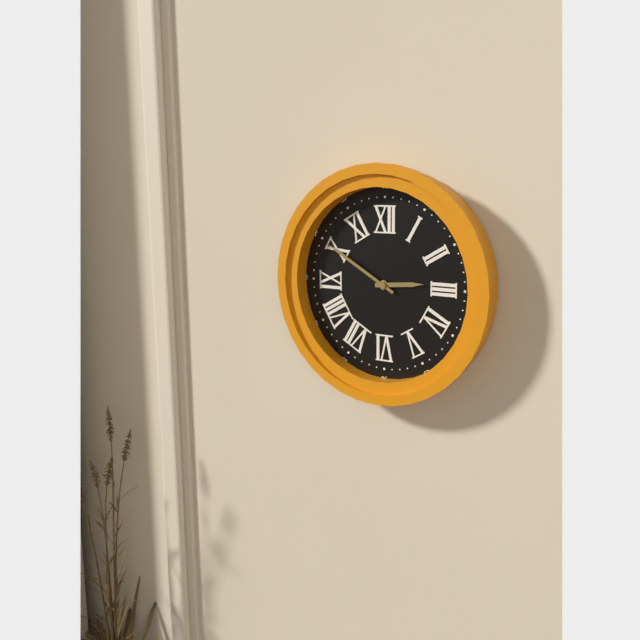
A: **2:50**
